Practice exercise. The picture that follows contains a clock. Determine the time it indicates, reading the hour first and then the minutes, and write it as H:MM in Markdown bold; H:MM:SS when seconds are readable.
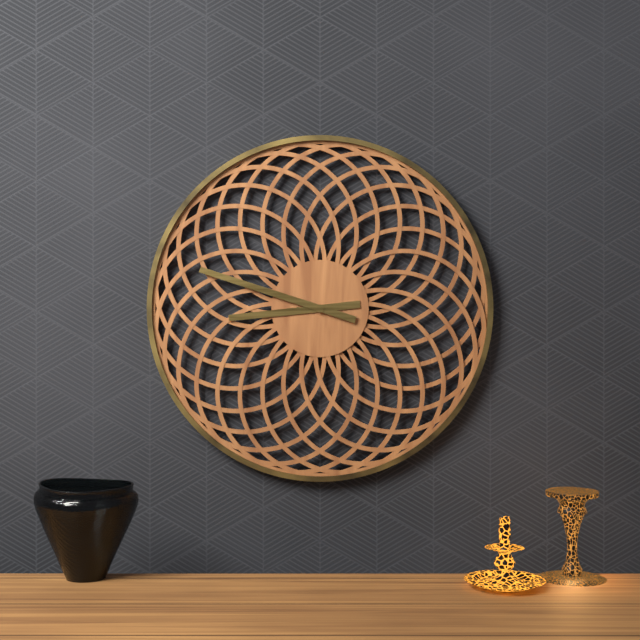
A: **8:48**
